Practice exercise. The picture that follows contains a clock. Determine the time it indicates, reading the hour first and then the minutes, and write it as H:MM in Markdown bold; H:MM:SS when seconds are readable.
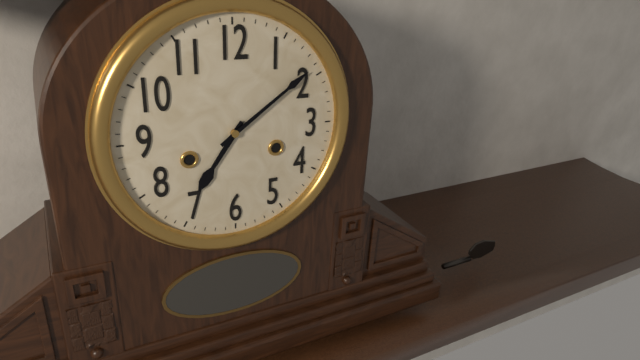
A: **7:09**
